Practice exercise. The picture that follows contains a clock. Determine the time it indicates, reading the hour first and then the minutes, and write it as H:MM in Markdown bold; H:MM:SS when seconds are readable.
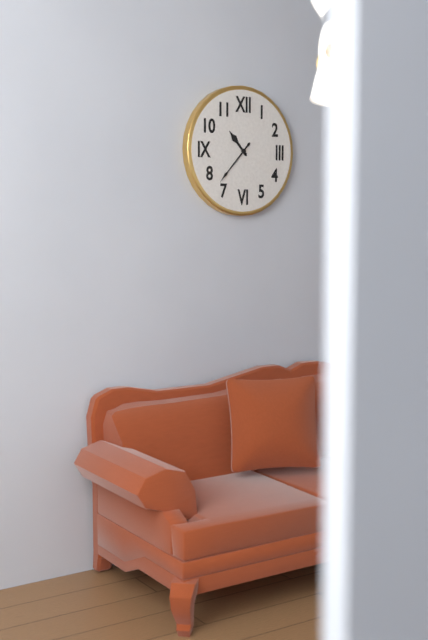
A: **10:37**
